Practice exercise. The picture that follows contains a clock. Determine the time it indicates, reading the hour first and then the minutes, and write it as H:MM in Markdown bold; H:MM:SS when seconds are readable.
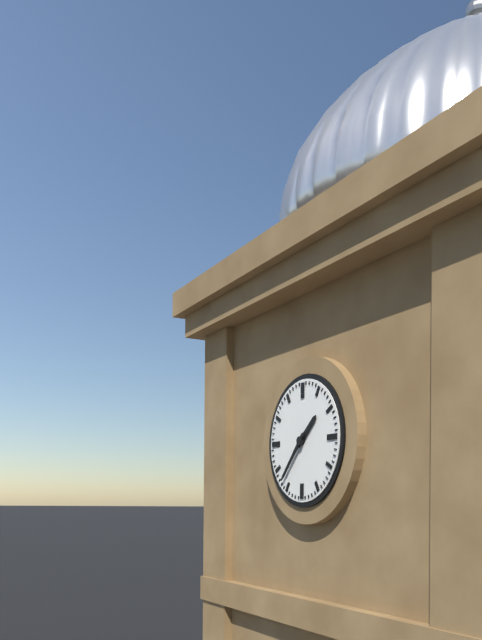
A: **1:37**
